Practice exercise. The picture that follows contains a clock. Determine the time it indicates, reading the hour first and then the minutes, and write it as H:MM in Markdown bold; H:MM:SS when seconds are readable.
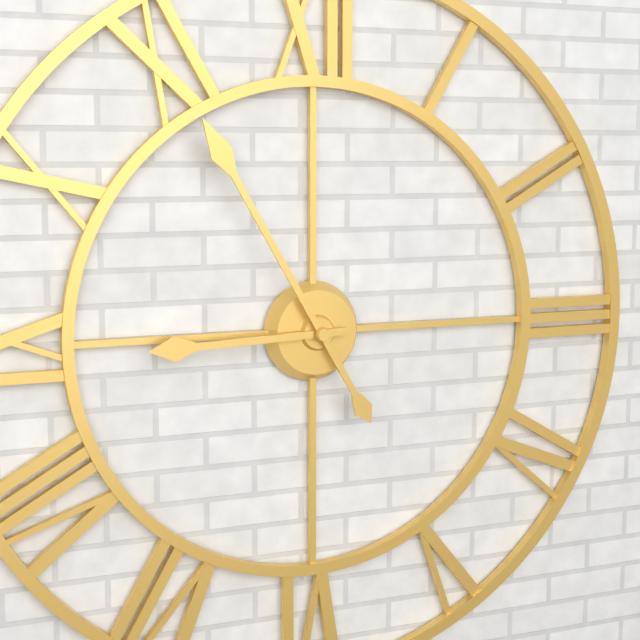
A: **8:55**
